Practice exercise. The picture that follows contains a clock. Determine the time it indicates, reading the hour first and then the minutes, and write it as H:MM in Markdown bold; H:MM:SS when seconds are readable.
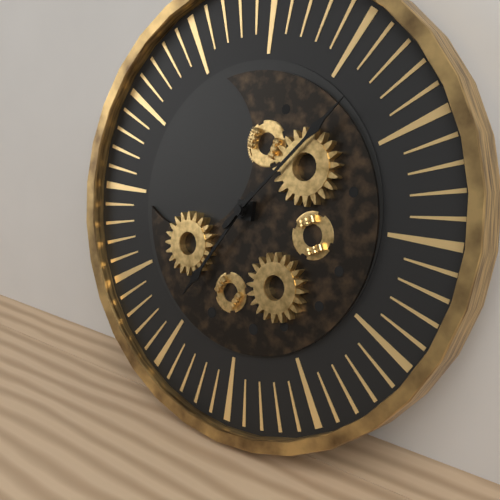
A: **7:07**
